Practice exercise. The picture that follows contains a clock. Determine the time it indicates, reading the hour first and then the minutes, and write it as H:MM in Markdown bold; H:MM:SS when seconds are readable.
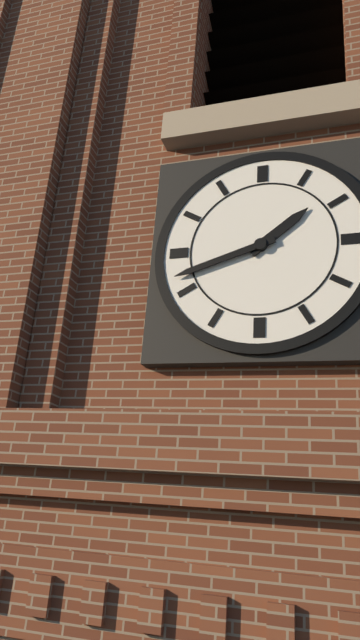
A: **1:42**
